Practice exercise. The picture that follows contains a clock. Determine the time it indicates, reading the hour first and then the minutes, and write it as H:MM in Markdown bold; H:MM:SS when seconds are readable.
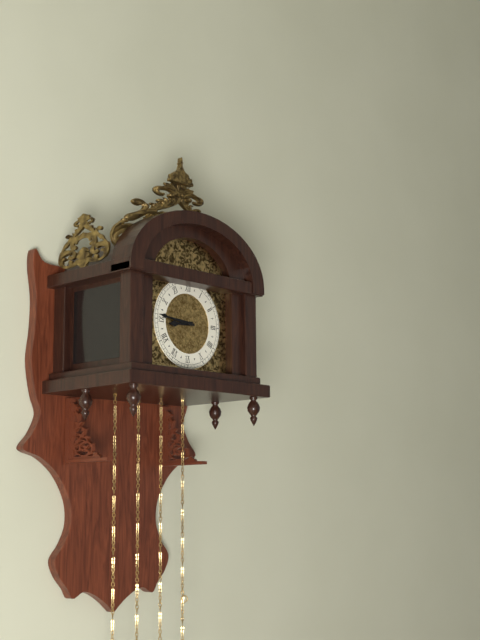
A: **8:46**
